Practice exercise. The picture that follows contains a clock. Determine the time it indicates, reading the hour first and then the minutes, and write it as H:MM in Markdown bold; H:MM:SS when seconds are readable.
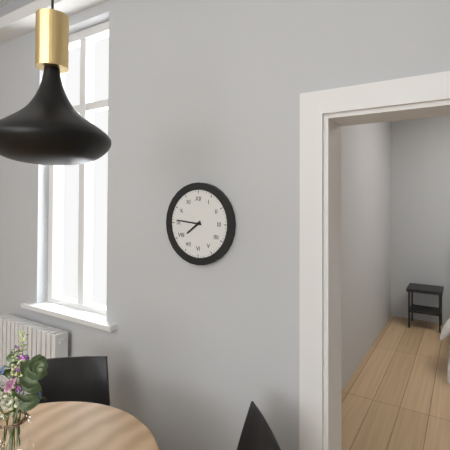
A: **7:46**
